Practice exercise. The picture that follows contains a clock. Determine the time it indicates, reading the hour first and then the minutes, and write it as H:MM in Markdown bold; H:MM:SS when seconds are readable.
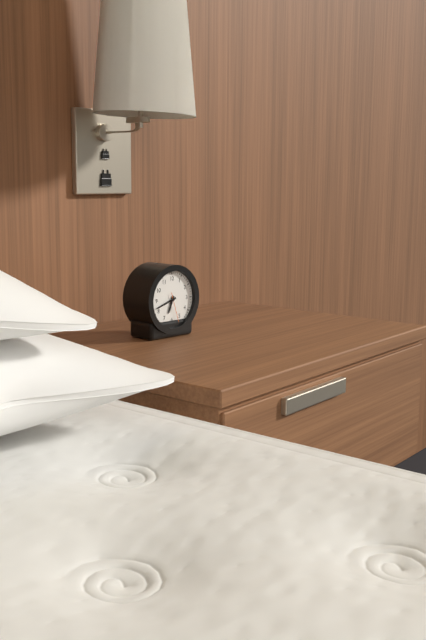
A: **6:42**
